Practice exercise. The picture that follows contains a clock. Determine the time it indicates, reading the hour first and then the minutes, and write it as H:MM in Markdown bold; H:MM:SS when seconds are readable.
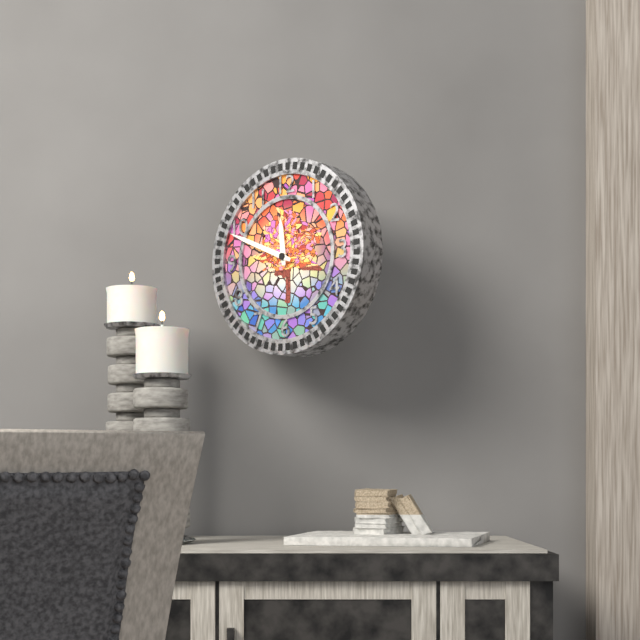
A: **11:49**
